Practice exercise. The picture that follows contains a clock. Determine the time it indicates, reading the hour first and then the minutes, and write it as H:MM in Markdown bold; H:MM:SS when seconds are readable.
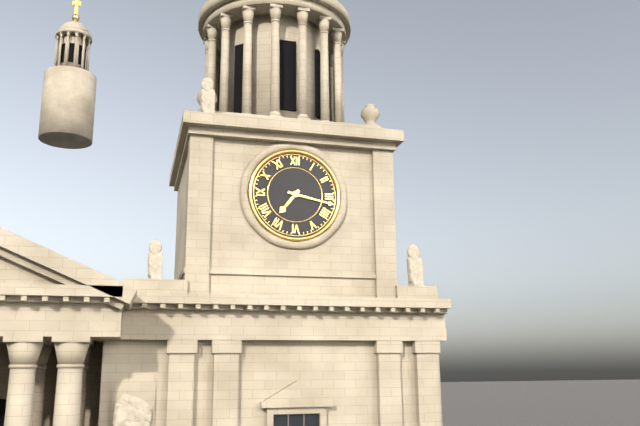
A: **7:17**
